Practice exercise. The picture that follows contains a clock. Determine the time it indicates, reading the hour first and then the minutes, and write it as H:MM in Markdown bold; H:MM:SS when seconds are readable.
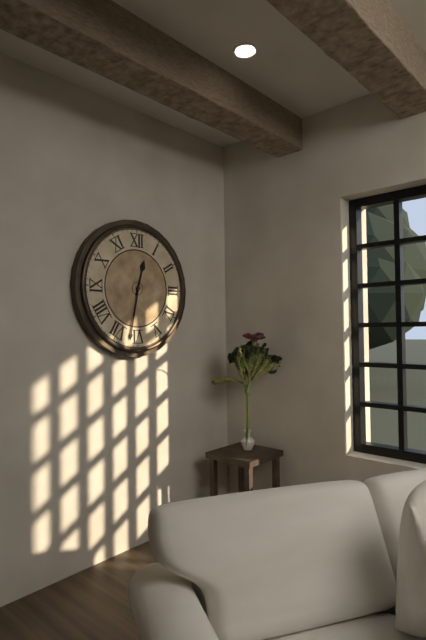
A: **12:32**
